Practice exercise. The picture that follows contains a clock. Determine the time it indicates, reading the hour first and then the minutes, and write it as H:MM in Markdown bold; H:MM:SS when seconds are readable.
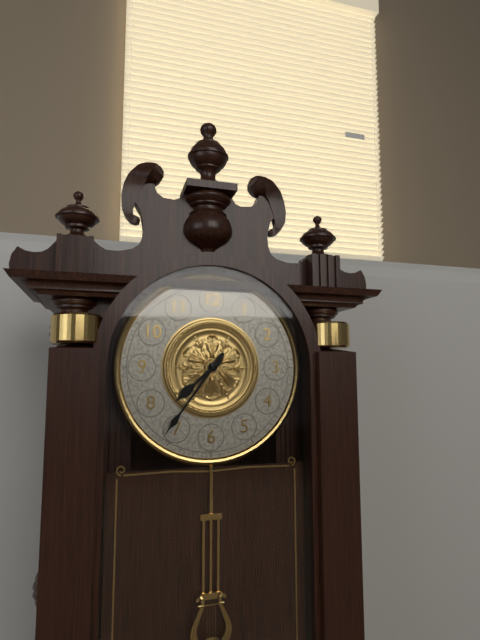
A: **7:36**
